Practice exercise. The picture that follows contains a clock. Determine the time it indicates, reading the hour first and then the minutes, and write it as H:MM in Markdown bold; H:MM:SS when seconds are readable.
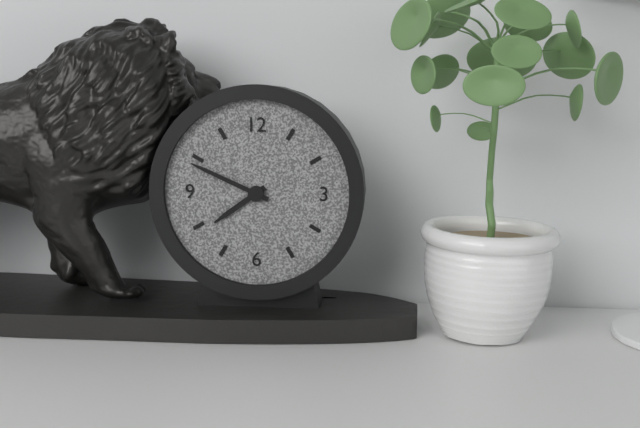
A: **7:49**
